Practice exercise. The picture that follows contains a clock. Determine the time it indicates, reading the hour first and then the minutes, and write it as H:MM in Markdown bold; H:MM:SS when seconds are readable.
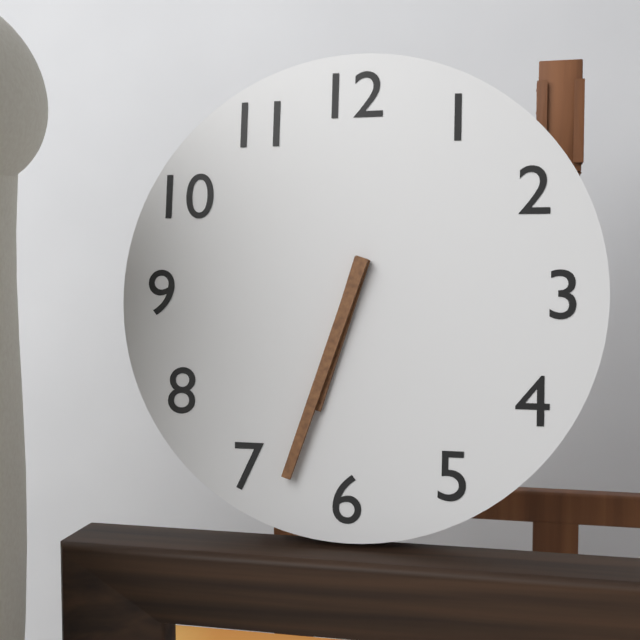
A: **6:33**
